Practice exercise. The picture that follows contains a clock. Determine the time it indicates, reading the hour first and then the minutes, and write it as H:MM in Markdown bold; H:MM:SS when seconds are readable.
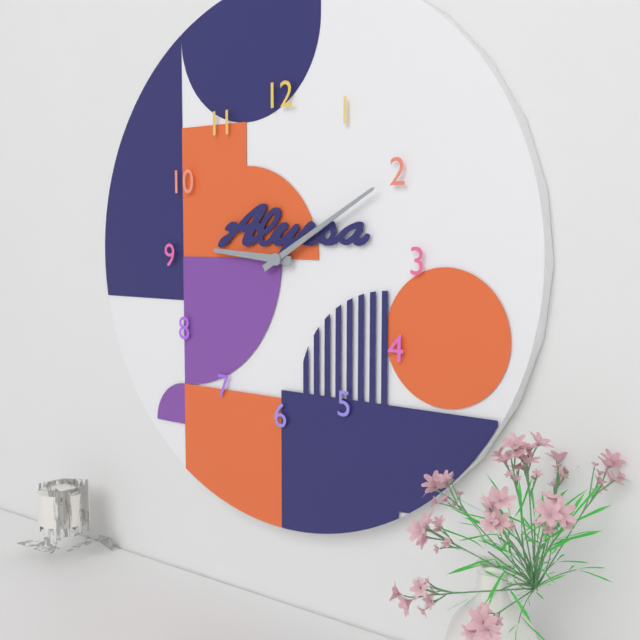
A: **9:10**
